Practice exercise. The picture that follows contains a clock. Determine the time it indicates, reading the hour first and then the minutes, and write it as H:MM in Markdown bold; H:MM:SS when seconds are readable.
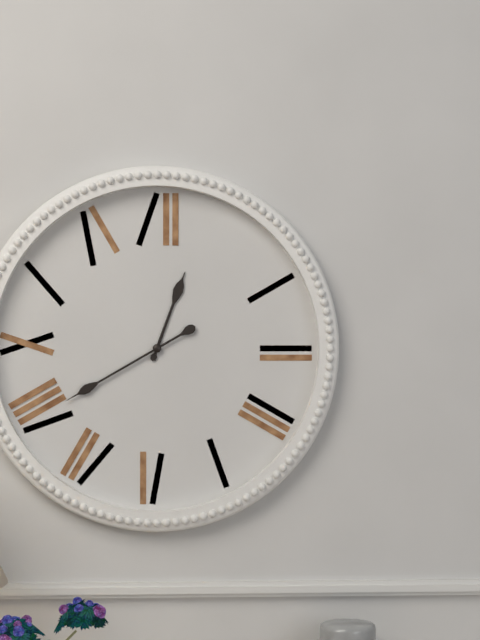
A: **12:40**
